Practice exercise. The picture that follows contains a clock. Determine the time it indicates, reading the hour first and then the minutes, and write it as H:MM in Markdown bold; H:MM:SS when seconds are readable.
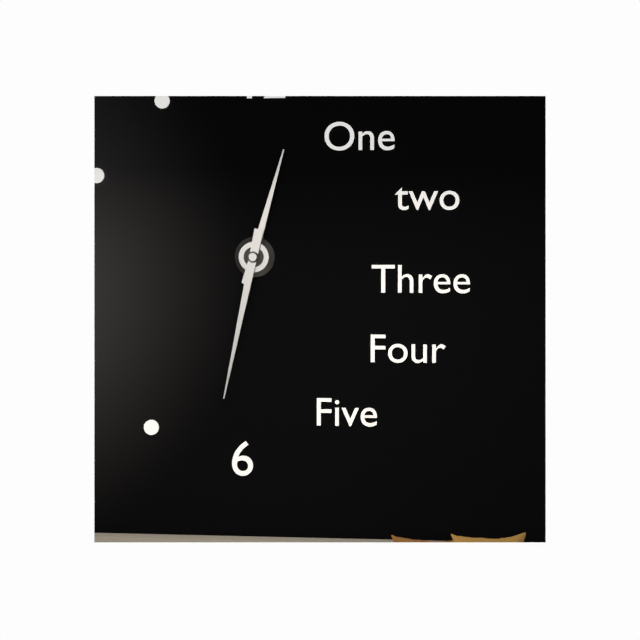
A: **12:32**
